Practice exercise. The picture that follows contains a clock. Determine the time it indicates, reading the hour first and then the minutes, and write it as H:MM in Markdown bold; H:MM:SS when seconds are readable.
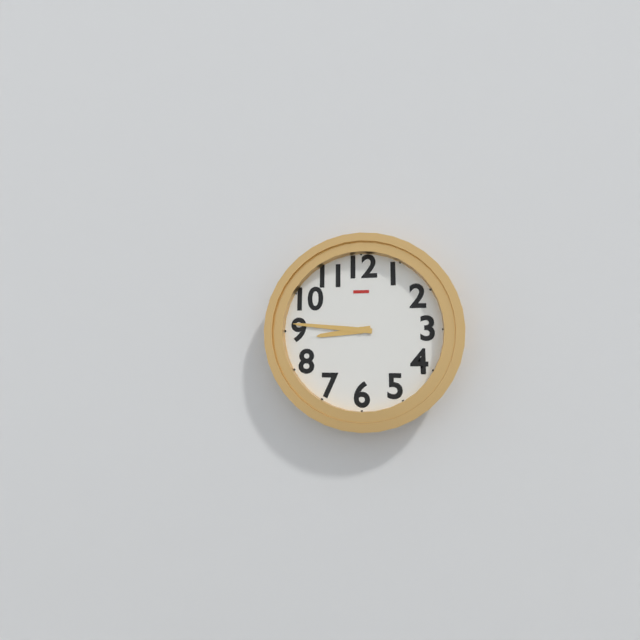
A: **8:46**
